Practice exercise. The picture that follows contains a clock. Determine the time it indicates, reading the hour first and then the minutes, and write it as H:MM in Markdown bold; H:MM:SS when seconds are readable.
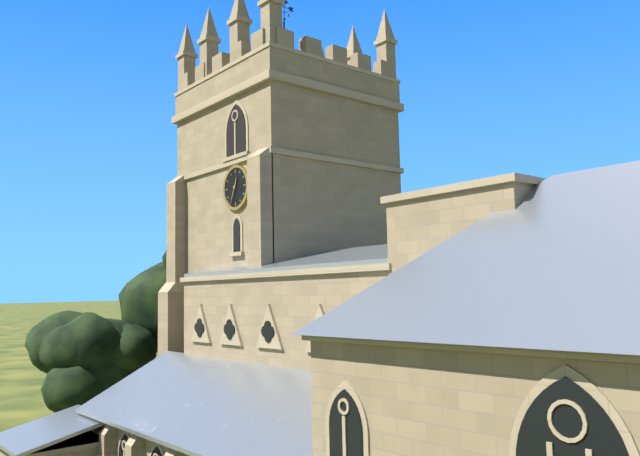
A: **12:34**
